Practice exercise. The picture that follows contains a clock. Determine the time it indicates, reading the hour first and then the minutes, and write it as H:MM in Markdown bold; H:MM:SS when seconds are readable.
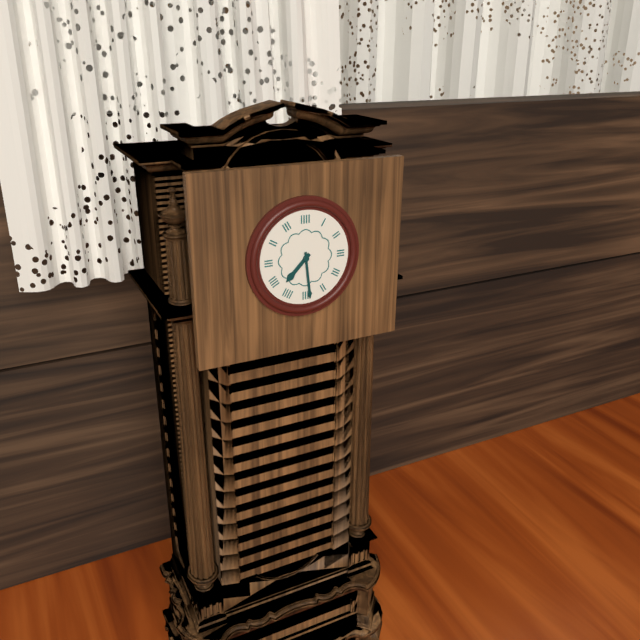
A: **7:29**
